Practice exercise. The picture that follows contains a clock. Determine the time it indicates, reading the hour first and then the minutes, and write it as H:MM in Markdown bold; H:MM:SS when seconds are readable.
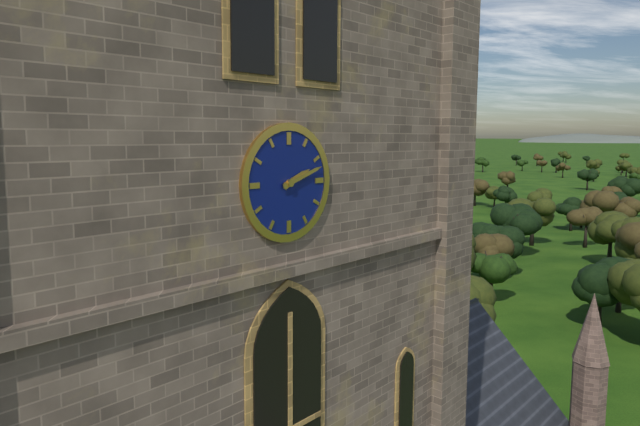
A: **2:12**
